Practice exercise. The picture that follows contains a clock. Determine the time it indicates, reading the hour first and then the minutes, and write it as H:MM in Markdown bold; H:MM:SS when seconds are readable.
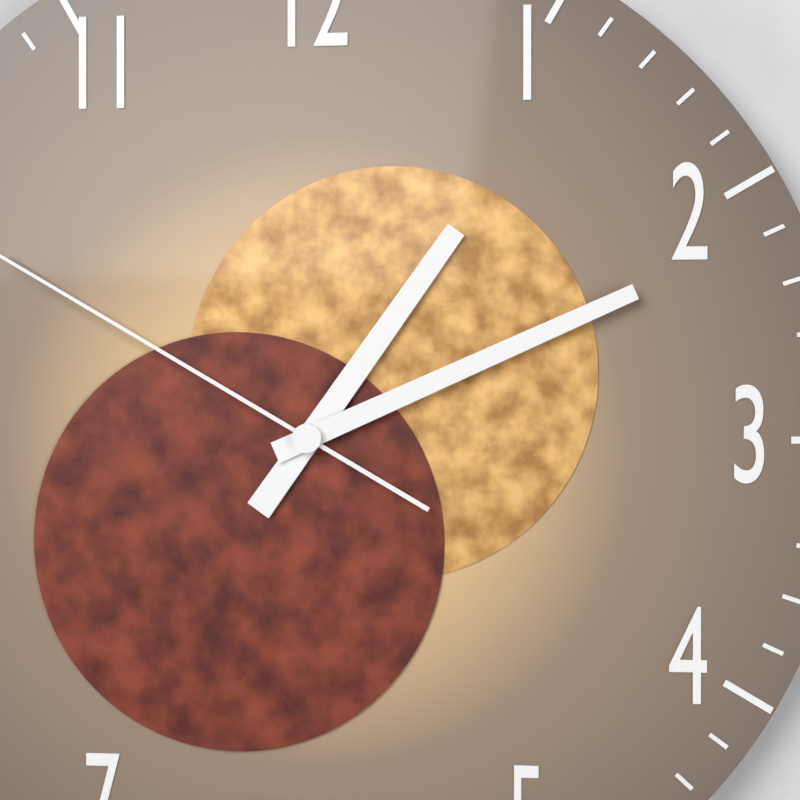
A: **1:11**
